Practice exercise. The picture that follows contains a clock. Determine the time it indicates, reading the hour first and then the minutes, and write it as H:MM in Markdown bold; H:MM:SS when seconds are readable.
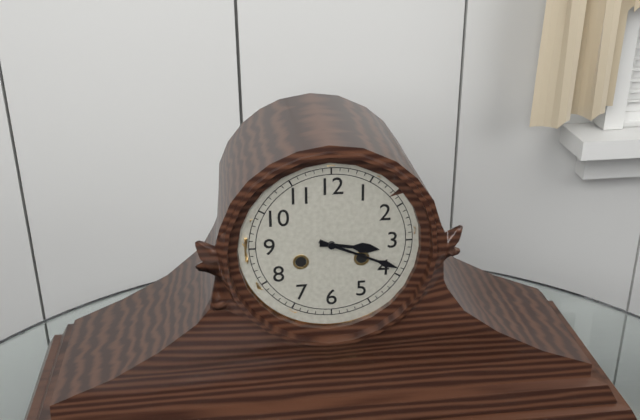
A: **3:19**
